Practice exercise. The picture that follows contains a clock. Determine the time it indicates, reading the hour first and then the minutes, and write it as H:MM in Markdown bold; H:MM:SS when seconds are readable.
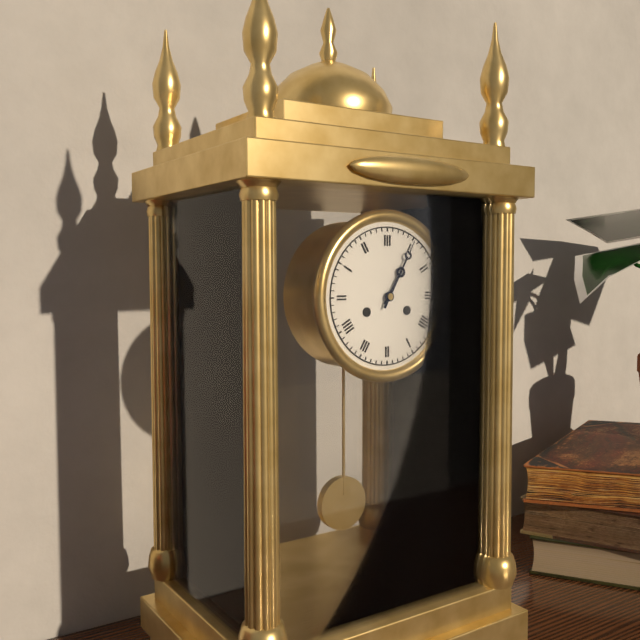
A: **1:05**
